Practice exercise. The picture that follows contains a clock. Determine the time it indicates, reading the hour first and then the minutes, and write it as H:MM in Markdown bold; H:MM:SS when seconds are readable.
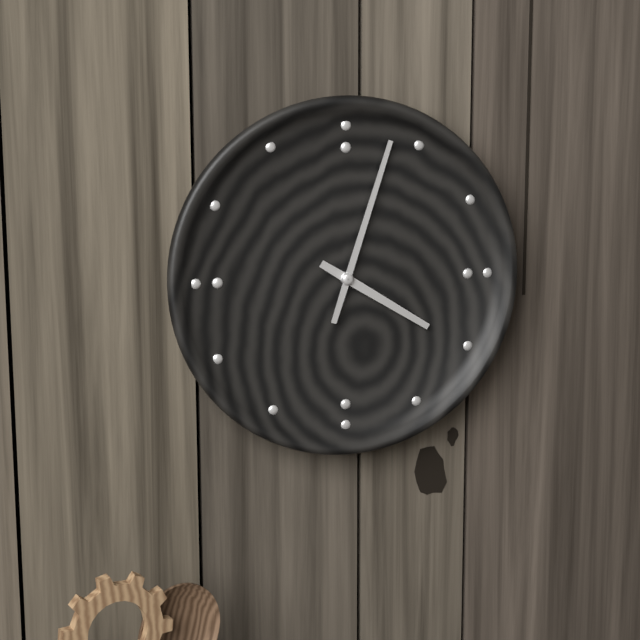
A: **4:03**
